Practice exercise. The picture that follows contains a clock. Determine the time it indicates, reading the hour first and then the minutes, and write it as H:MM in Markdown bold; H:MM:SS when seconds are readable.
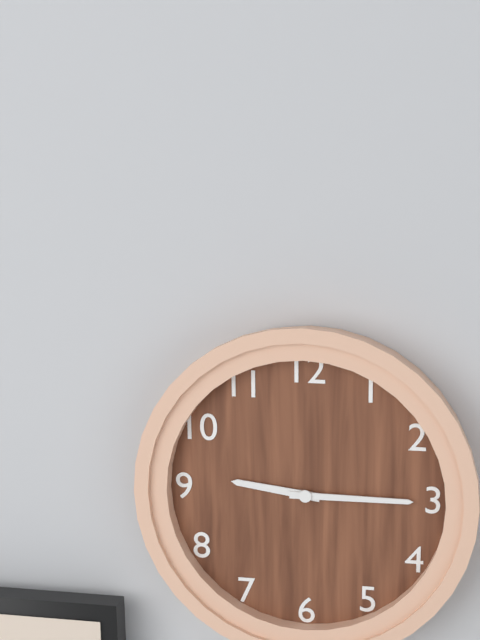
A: **9:15**
